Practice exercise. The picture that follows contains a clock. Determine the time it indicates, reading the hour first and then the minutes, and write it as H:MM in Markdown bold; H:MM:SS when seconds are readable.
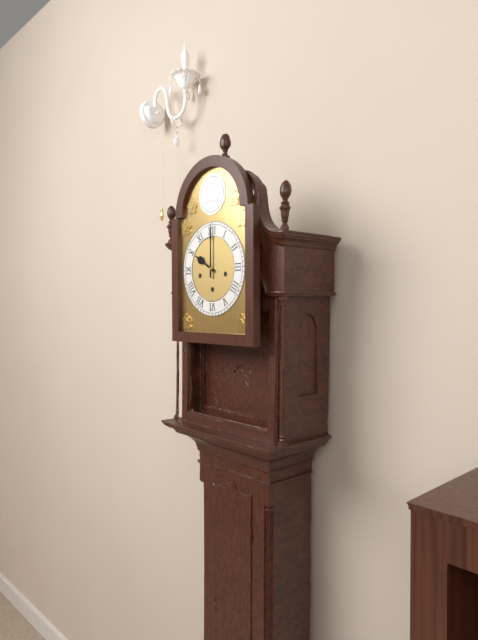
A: **10:00**
